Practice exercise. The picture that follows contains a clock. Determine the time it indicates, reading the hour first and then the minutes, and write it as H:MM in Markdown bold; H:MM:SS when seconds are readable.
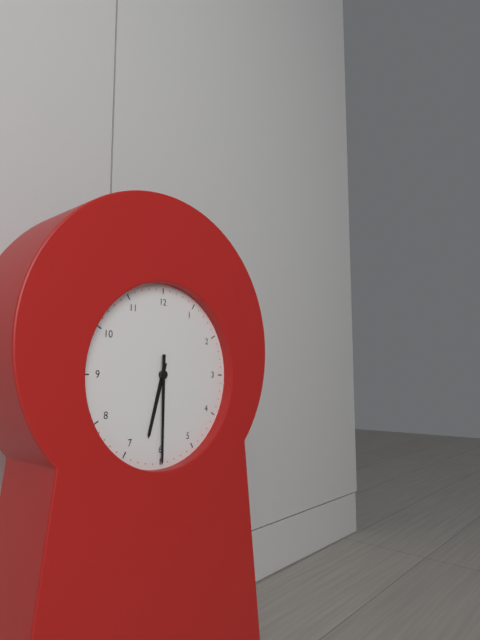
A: **6:30**
